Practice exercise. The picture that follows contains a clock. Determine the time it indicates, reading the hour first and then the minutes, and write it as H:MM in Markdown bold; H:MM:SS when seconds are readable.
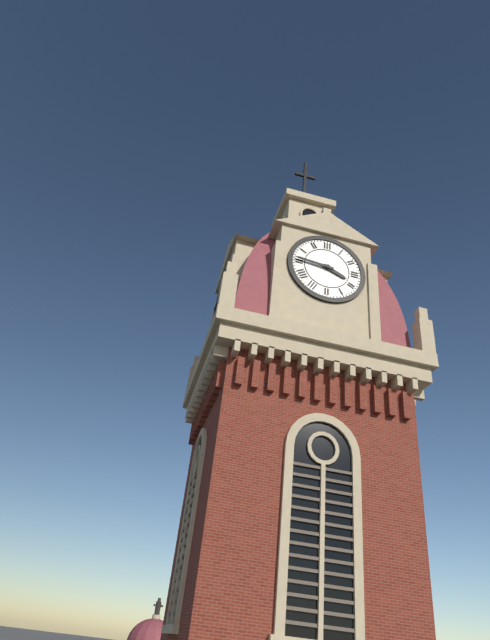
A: **3:46**
